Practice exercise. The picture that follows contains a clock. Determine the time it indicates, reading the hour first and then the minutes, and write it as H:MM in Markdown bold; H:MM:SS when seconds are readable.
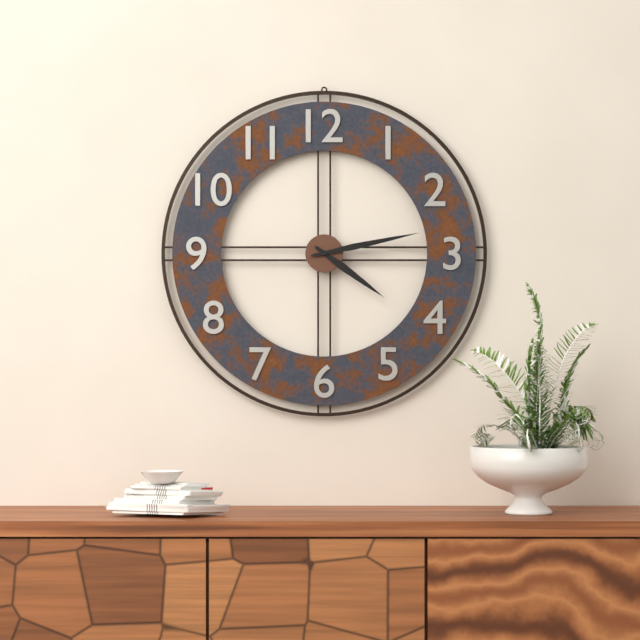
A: **4:13**
